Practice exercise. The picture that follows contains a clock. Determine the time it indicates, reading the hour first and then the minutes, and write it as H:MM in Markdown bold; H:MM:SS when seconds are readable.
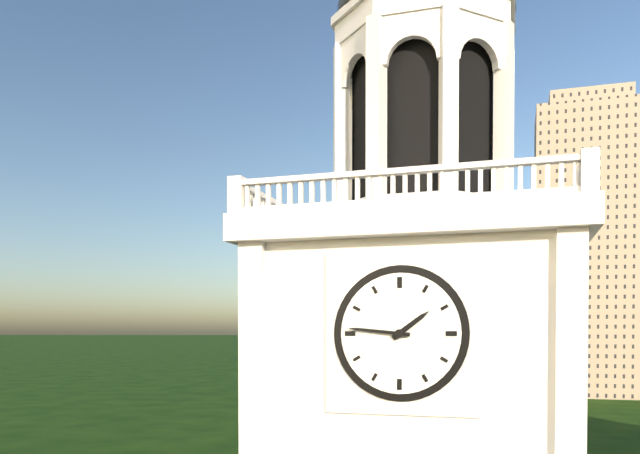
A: **1:46**
